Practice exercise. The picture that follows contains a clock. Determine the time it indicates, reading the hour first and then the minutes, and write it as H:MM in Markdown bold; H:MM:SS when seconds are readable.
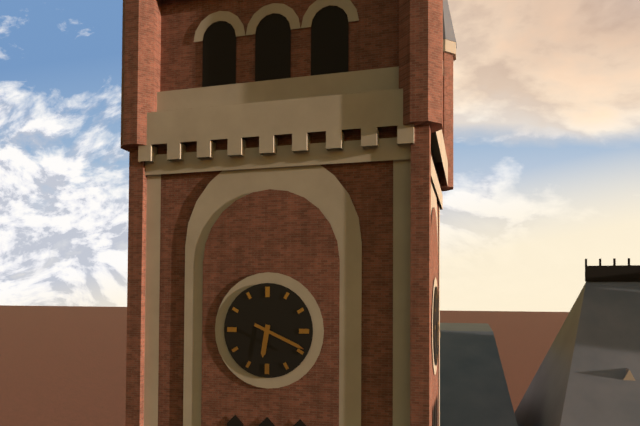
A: **6:19**
